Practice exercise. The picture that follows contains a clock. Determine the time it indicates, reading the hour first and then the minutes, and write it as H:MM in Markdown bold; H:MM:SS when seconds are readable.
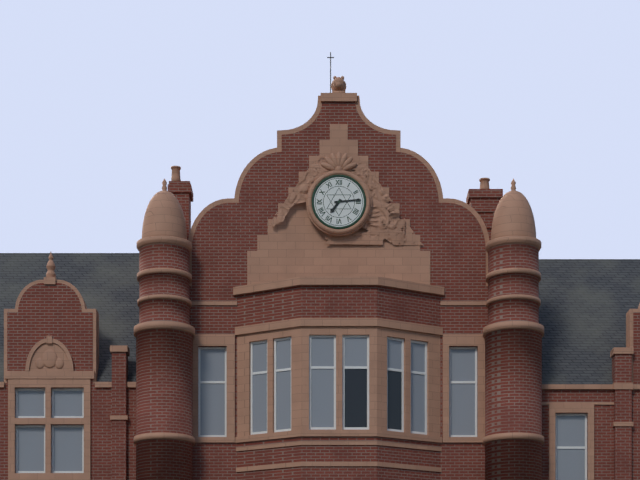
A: **7:14**
